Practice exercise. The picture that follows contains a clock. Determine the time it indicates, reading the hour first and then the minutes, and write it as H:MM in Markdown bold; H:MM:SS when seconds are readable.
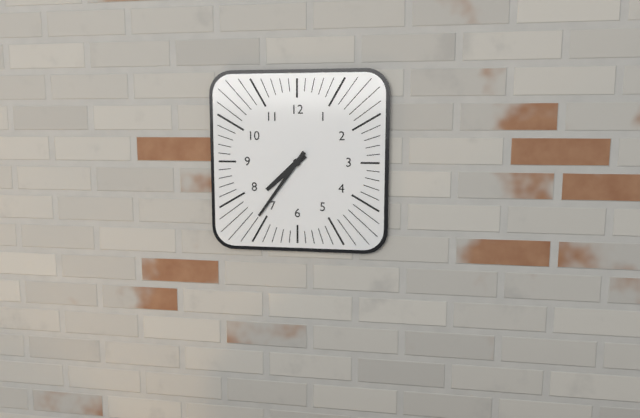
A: **7:36**
